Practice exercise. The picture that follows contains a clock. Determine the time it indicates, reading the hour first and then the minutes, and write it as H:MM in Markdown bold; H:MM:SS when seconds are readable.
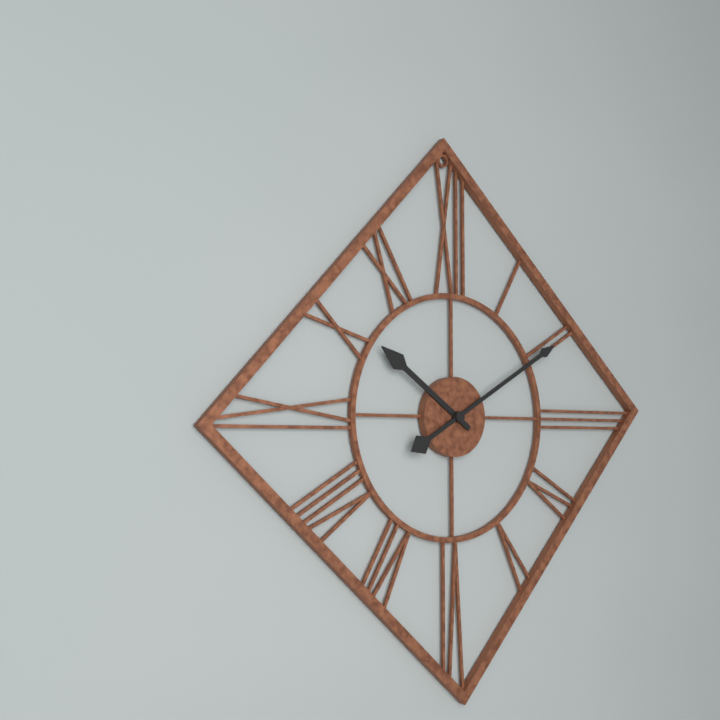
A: **10:10**
